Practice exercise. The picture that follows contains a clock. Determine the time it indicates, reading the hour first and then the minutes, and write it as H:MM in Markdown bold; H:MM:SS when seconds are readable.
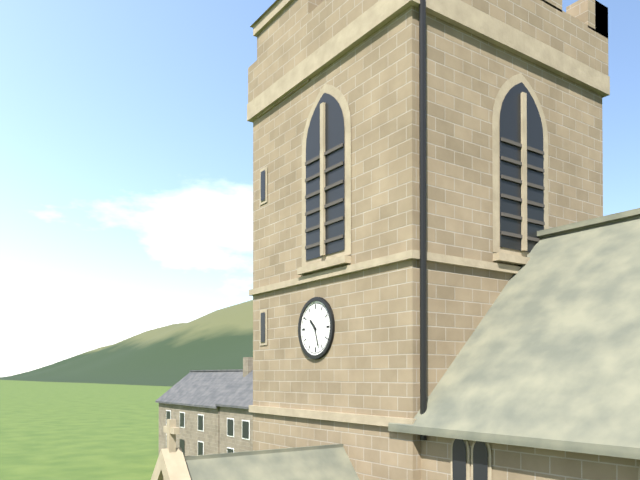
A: **10:27**
